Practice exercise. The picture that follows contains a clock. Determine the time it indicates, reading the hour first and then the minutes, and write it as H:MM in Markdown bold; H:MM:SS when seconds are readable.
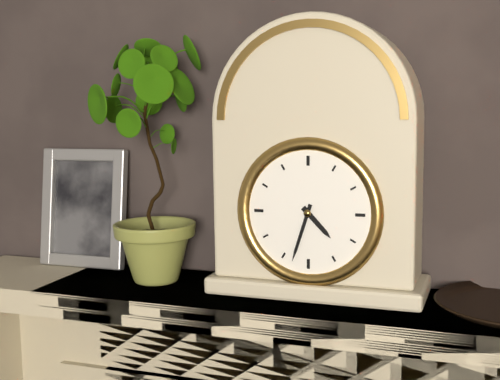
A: **4:33**
